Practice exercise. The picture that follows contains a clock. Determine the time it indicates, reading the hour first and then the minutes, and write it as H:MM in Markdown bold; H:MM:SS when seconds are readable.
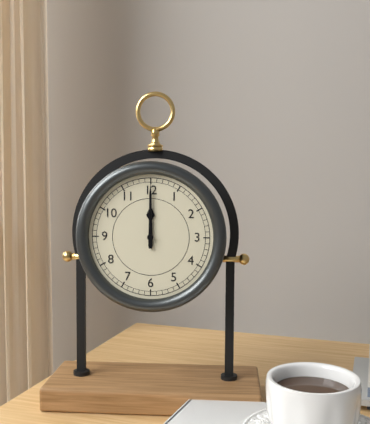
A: **12:00**
